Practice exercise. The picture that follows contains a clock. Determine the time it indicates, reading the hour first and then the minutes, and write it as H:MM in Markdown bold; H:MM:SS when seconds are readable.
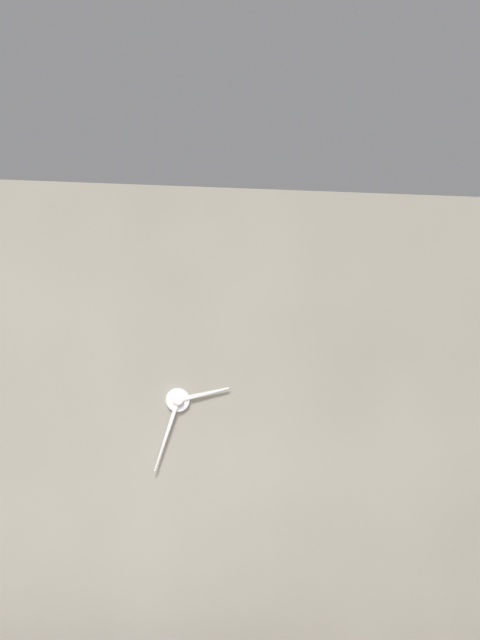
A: **2:33**
